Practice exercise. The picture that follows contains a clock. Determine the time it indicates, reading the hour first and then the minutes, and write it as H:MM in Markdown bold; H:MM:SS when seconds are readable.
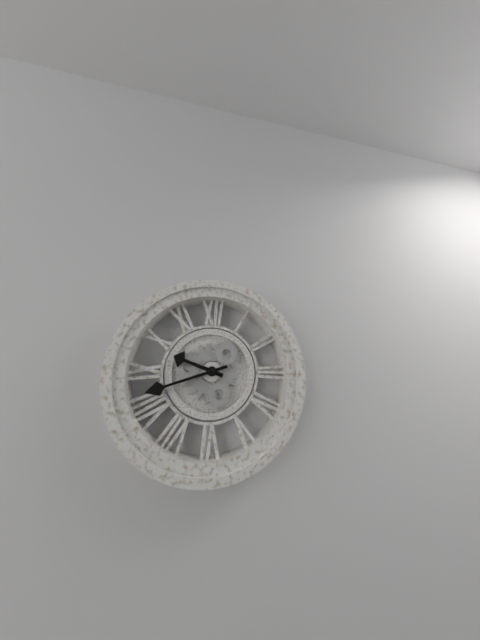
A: **9:42**
